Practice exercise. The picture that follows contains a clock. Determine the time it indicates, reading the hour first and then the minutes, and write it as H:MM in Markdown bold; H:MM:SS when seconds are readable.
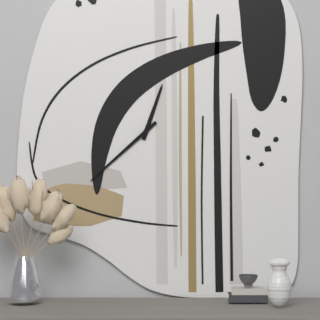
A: **12:38**
